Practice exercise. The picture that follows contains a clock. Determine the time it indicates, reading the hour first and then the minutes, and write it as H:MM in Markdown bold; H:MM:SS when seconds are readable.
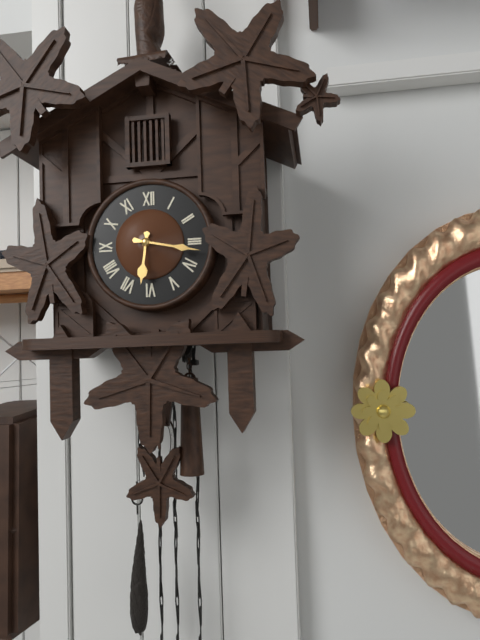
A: **6:17**
